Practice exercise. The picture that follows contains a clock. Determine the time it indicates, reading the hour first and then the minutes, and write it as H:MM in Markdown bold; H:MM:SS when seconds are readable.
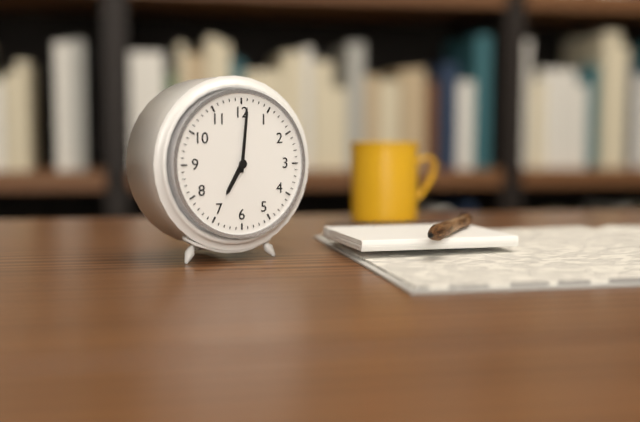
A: **7:01**
